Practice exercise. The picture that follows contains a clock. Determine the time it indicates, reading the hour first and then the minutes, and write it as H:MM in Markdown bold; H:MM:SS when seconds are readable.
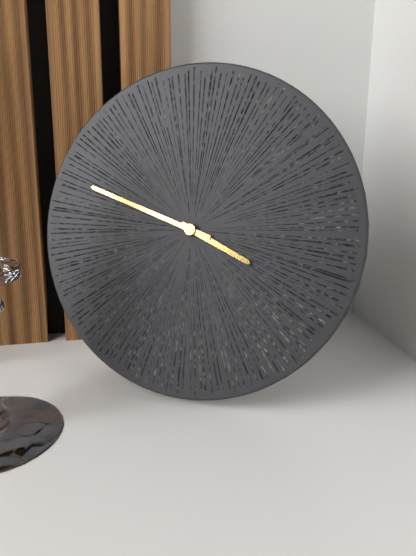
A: **3:48**
